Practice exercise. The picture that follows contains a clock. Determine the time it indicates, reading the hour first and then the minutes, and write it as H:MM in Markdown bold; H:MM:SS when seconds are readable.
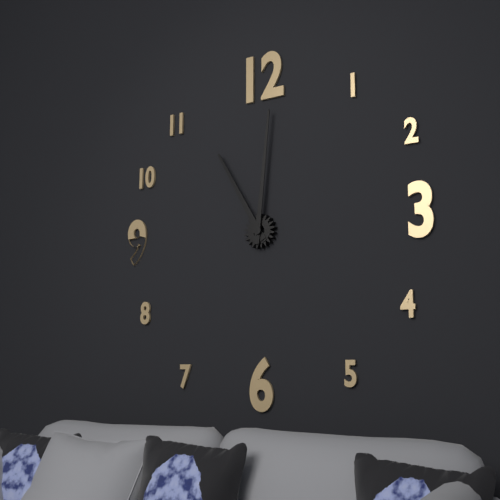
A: **11:01**
